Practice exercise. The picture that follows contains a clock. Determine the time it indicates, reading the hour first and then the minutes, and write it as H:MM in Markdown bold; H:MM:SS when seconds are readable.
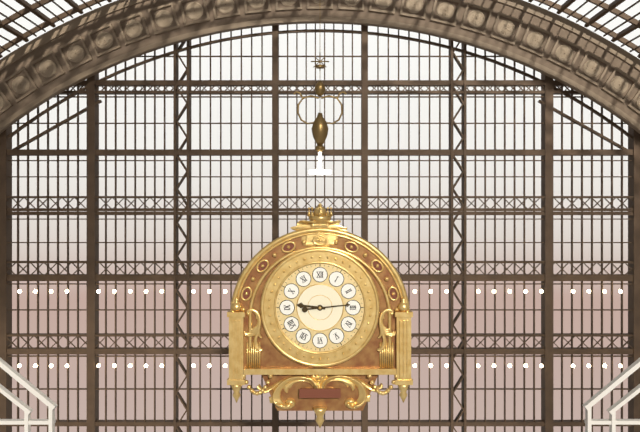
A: **9:14**
